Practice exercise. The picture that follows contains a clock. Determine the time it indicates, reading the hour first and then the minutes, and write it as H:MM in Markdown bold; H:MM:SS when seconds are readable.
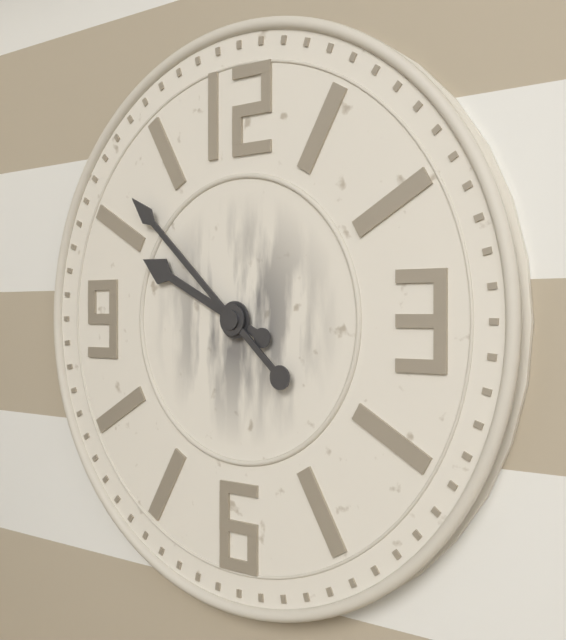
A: **9:52**
